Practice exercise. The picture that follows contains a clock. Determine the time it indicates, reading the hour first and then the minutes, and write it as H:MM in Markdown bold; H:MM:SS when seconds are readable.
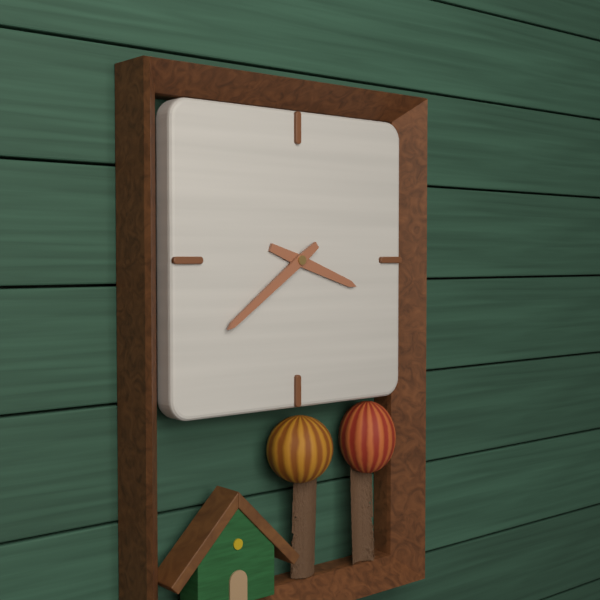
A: **3:39**
